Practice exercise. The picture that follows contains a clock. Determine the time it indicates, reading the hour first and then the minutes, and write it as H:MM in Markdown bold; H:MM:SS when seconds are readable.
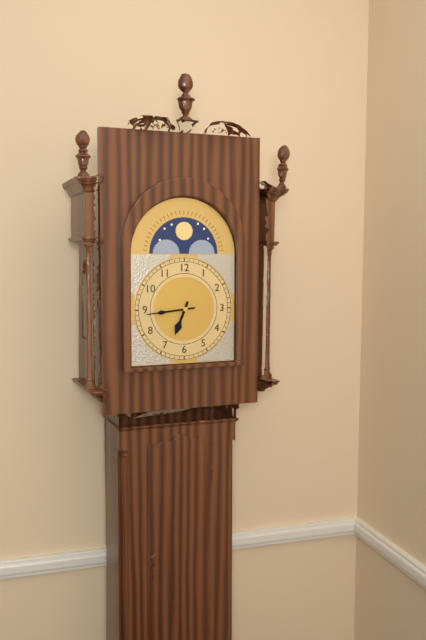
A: **6:44**
